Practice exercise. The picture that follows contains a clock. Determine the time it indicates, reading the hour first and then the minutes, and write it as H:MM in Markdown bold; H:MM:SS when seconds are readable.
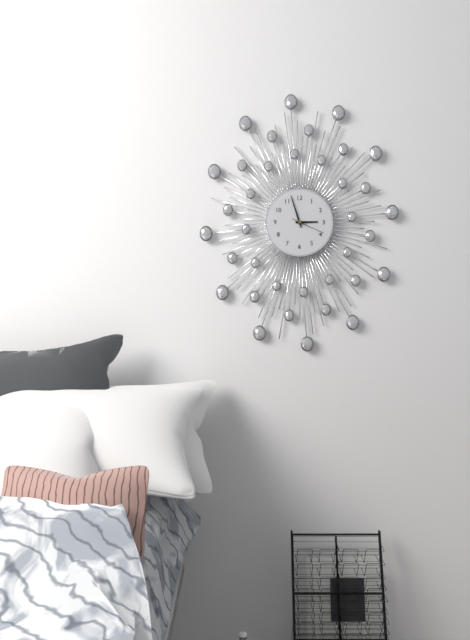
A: **2:57**
